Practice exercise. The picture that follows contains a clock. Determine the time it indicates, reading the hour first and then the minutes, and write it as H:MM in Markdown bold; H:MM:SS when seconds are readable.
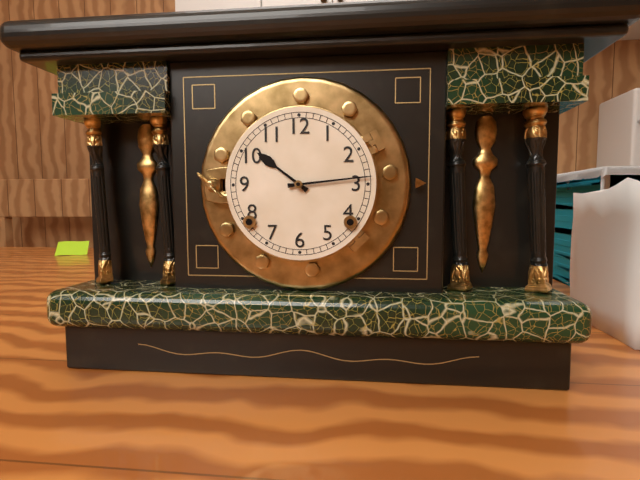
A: **10:14**
